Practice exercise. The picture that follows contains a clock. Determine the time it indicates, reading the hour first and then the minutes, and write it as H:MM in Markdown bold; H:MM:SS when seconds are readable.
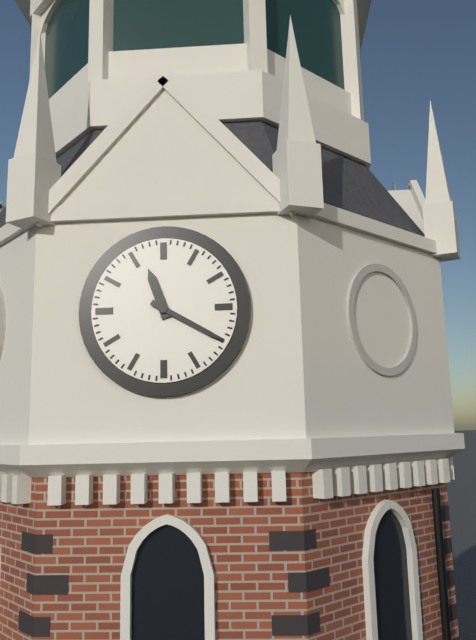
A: **11:20**
